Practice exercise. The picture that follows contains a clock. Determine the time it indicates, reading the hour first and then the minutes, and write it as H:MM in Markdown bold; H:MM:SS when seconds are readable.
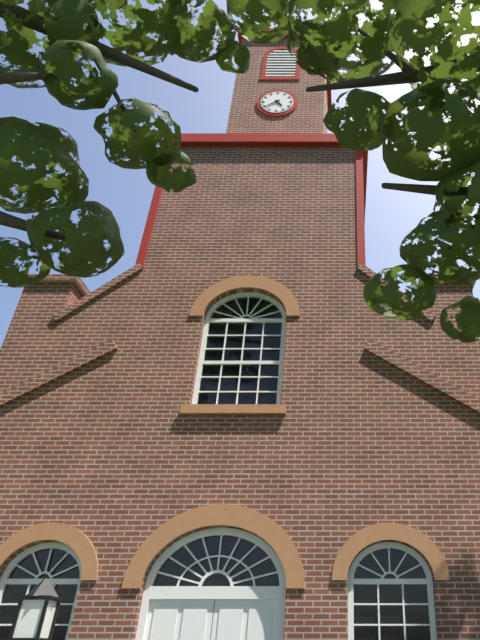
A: **4:39**
